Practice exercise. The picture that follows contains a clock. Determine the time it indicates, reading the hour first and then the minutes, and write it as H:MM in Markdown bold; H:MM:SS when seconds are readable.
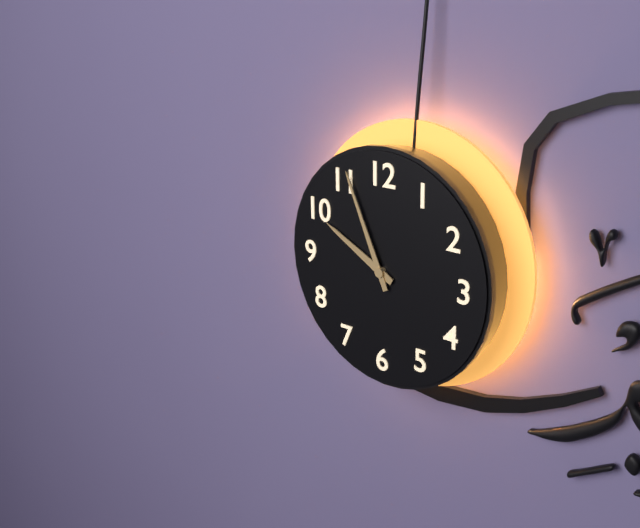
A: **9:56**
